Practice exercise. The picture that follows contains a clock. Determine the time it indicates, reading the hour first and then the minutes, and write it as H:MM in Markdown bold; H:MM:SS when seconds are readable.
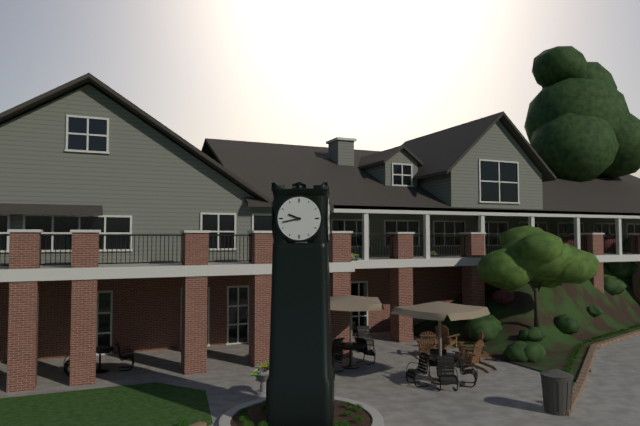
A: **9:43**
